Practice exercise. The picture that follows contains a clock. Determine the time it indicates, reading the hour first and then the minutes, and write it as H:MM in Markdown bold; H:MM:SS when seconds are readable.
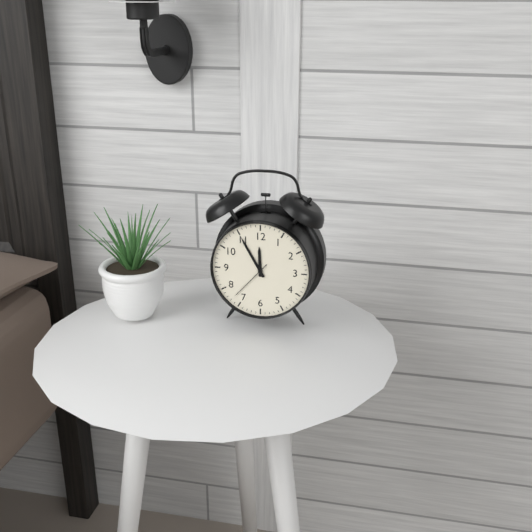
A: **11:55**
